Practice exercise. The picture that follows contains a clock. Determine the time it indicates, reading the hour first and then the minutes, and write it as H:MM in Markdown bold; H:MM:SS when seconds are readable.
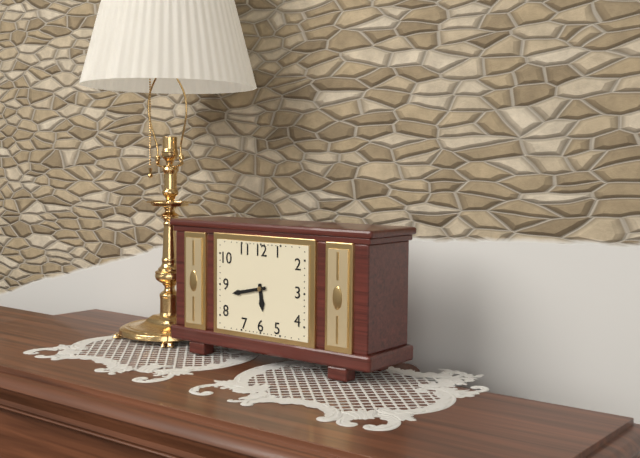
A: **5:43**
